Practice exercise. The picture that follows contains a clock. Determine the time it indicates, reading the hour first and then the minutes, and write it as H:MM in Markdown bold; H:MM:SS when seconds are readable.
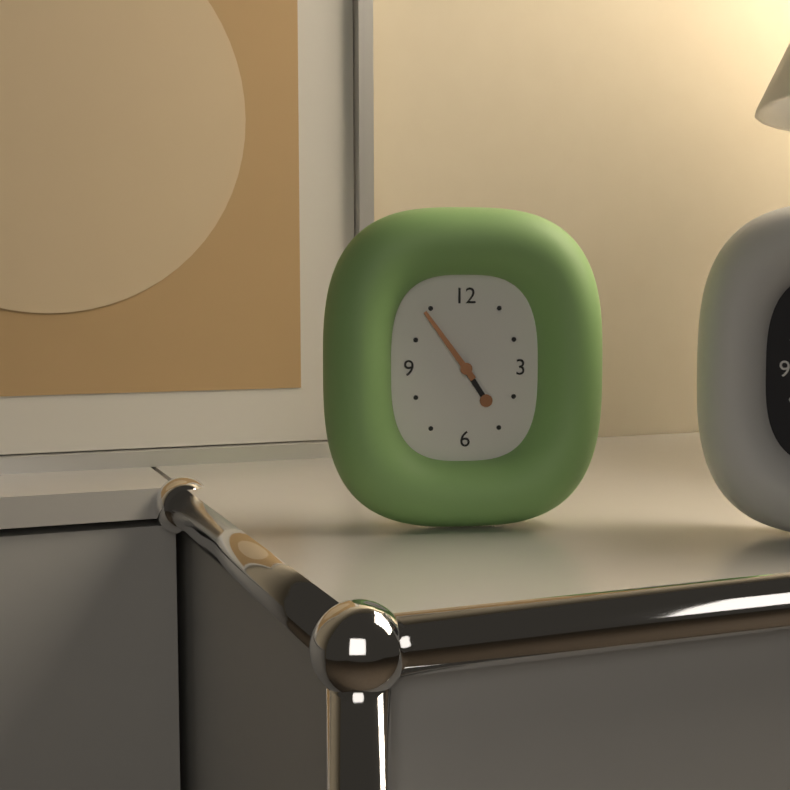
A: **4:54**
